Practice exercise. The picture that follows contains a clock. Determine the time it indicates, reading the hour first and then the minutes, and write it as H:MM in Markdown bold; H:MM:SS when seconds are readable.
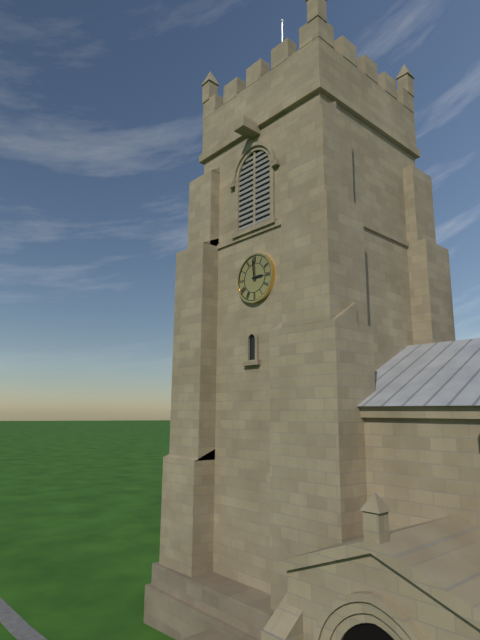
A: **2:59**
